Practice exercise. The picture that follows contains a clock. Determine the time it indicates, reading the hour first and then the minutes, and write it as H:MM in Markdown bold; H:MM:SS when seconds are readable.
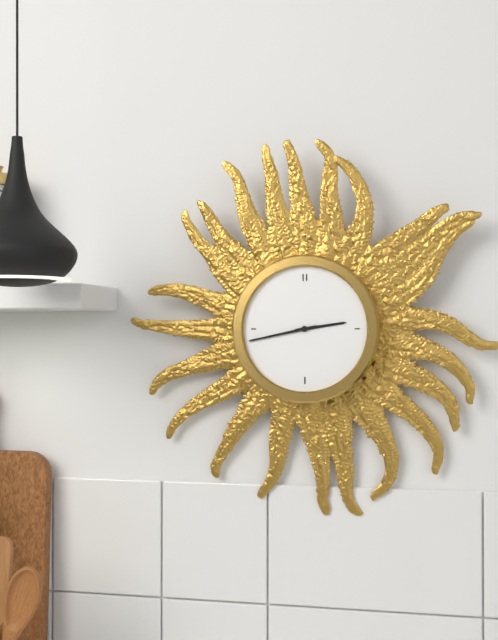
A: **2:43**
